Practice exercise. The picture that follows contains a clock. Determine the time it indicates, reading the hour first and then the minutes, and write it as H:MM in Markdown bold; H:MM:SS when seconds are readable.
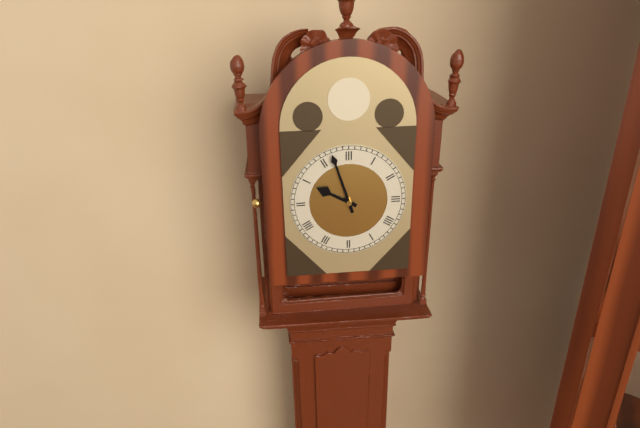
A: **9:57**
